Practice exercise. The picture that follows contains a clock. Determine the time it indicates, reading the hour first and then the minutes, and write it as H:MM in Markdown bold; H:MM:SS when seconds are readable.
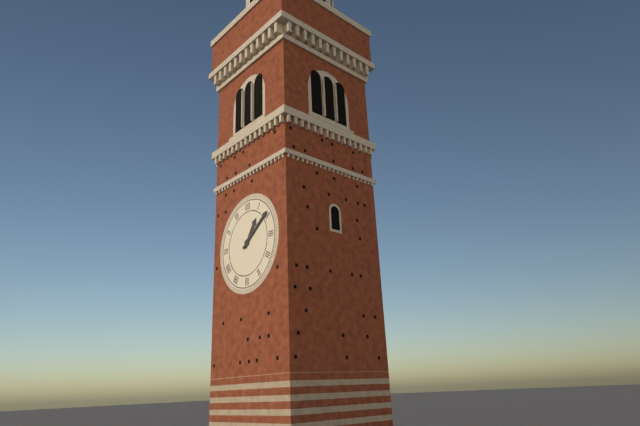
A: **1:09**
